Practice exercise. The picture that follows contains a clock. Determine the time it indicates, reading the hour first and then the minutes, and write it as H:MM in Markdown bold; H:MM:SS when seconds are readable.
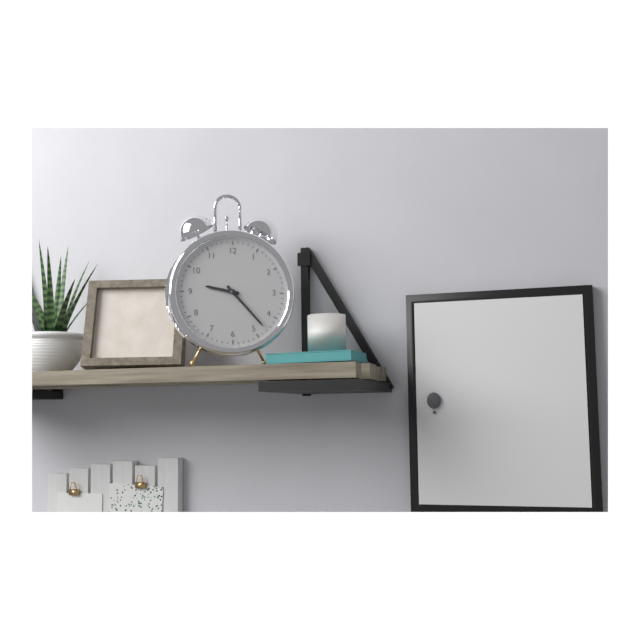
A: **9:23**
